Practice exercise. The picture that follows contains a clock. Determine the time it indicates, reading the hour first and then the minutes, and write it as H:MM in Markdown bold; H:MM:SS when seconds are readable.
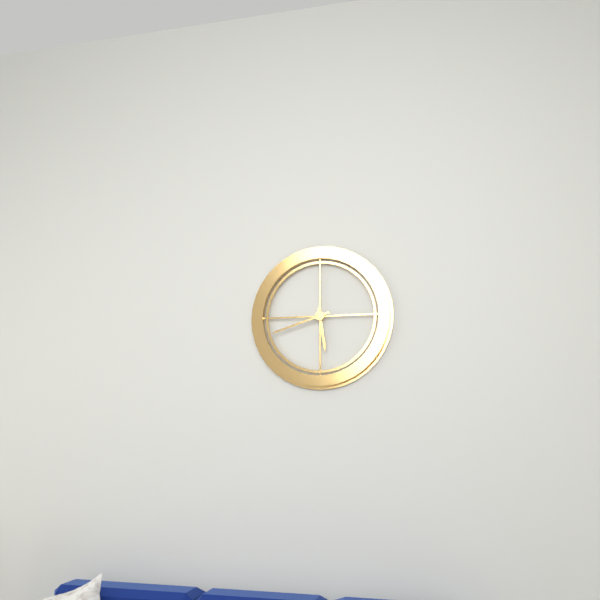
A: **5:42**
